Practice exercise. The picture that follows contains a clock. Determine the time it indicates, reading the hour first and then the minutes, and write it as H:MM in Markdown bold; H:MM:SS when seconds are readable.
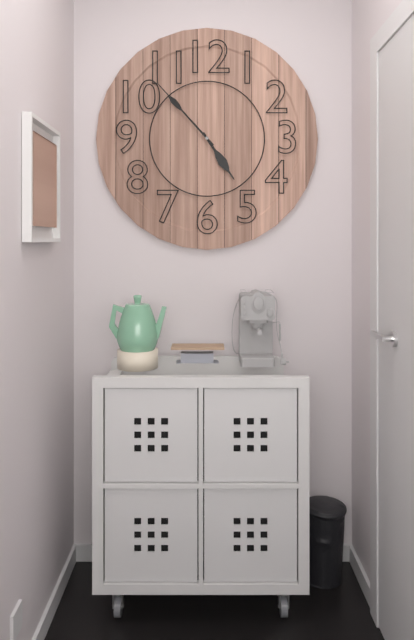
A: **4:53**
